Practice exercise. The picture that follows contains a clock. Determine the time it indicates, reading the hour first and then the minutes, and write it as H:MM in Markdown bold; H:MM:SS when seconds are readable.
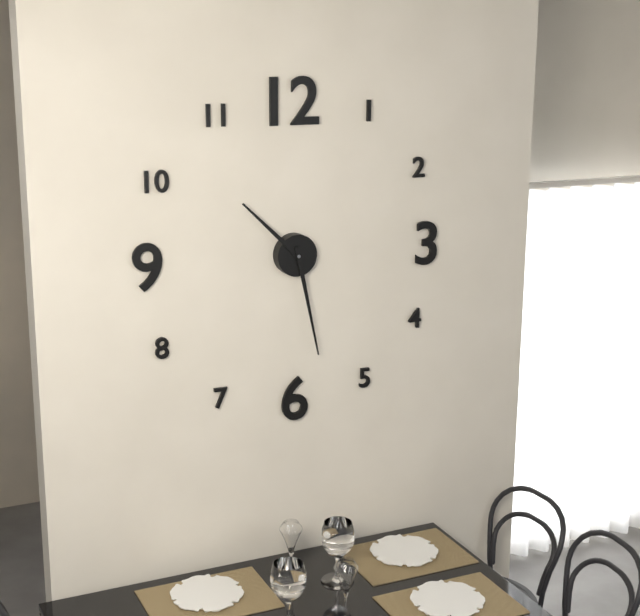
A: **10:28**
